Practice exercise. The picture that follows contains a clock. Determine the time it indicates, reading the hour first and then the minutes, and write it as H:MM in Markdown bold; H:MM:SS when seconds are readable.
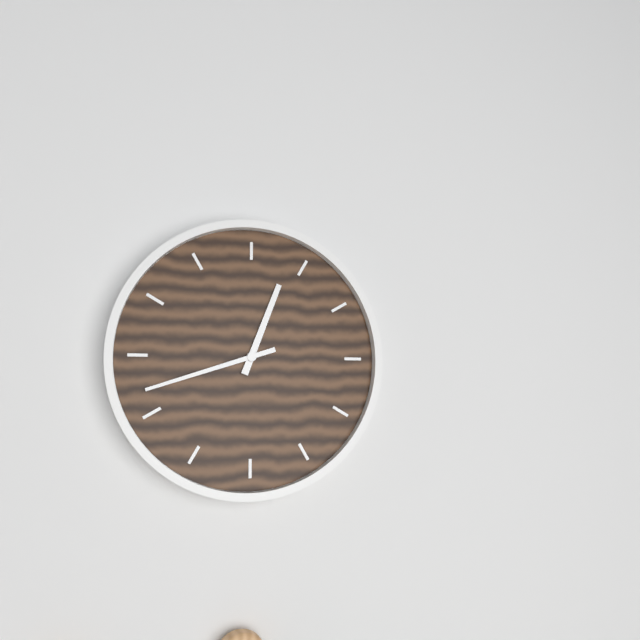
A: **12:42**
